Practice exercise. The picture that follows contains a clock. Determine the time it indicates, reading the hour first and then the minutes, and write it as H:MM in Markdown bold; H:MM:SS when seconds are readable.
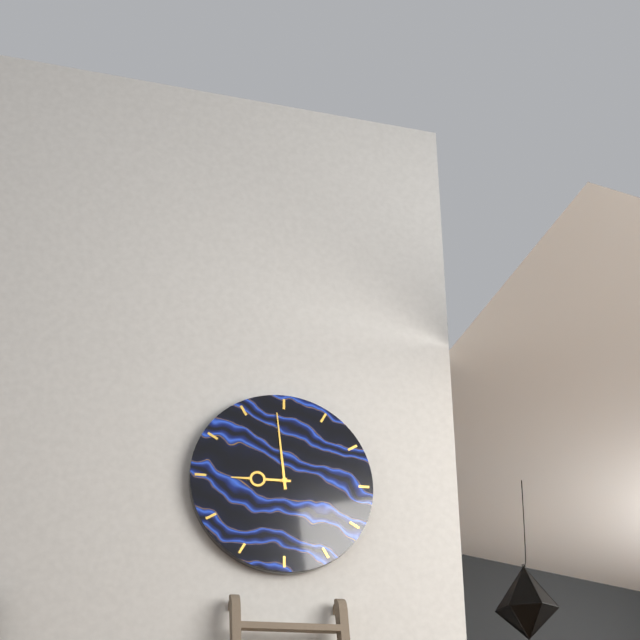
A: **8:59**
